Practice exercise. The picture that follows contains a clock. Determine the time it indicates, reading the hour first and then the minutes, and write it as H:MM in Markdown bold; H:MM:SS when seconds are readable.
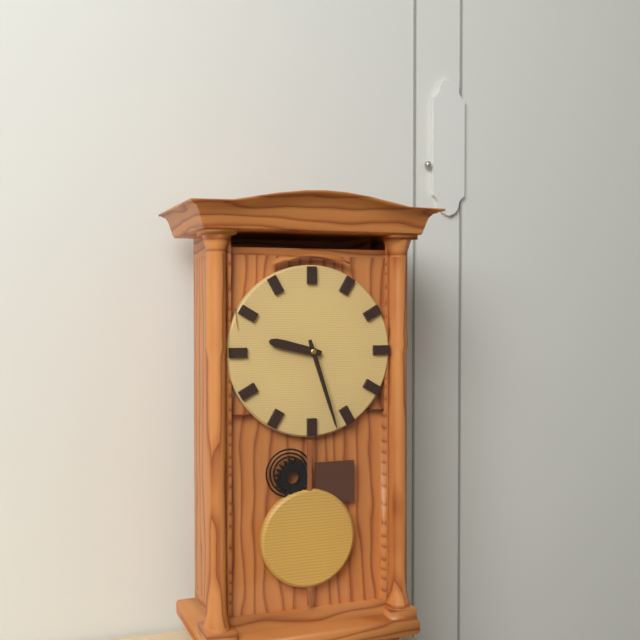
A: **9:27**
